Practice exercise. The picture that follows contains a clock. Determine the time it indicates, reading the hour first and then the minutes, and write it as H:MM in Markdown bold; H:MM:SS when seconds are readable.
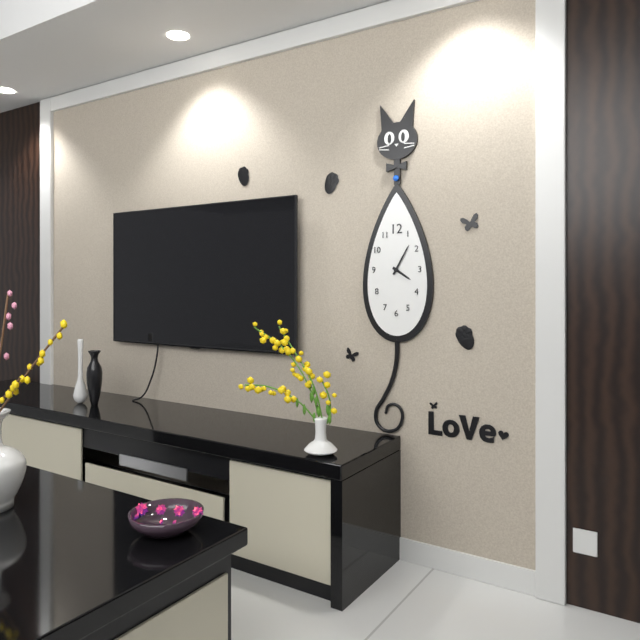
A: **4:05**
